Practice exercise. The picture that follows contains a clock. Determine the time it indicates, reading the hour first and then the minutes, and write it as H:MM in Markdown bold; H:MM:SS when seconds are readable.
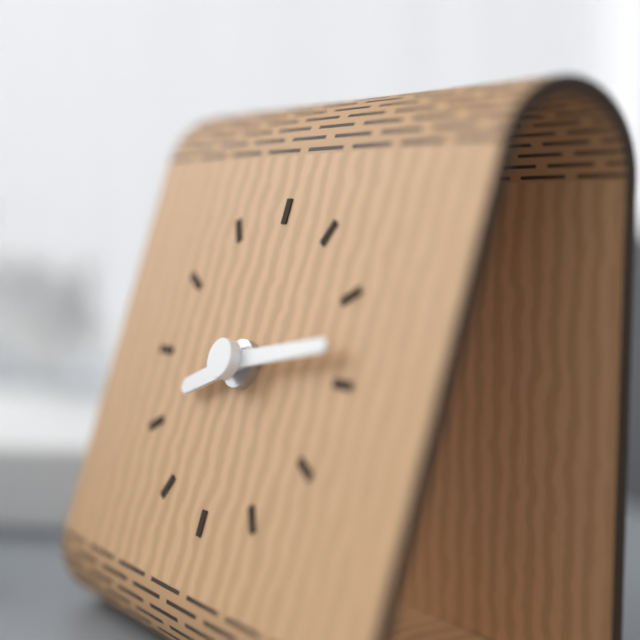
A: **8:13**
